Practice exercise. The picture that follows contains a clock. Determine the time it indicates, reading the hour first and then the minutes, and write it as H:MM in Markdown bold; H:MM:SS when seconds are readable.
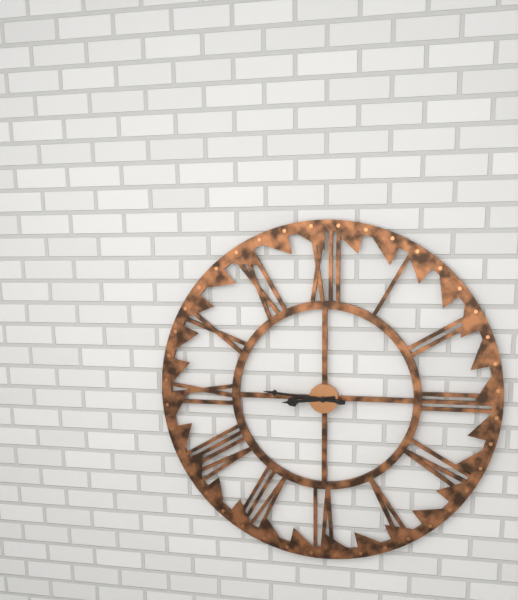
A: **8:46**
